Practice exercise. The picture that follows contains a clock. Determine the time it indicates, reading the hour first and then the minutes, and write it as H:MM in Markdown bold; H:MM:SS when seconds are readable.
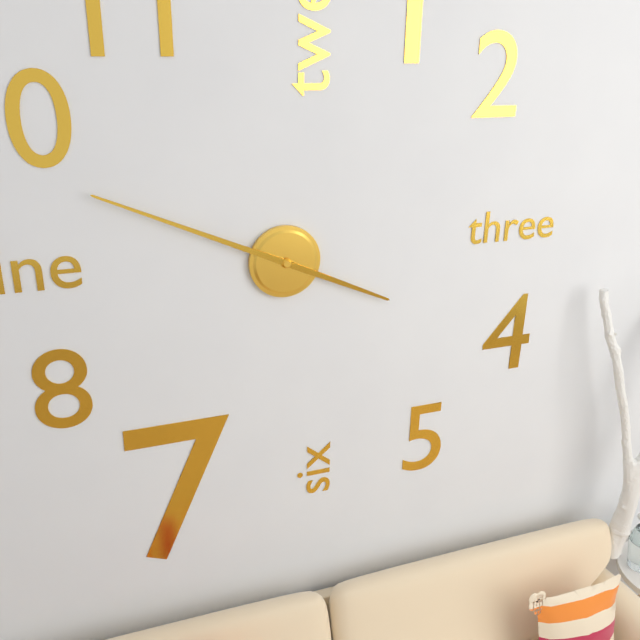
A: **3:49**
